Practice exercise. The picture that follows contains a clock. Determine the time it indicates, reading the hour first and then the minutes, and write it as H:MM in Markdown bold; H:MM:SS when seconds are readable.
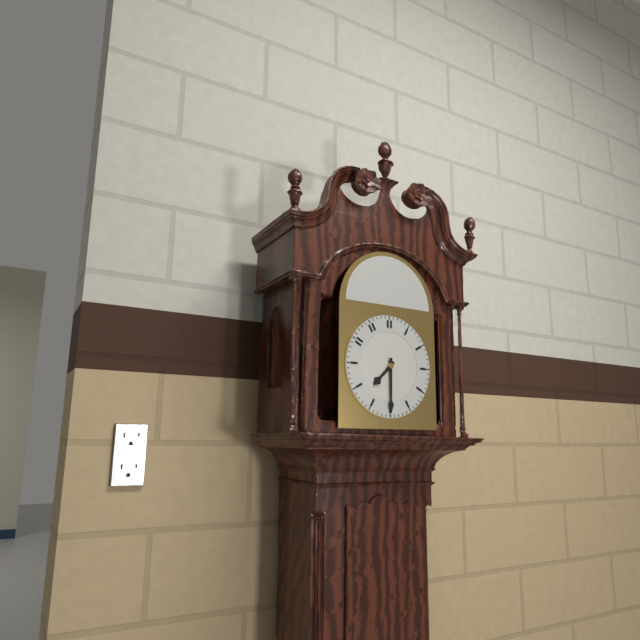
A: **7:30**
